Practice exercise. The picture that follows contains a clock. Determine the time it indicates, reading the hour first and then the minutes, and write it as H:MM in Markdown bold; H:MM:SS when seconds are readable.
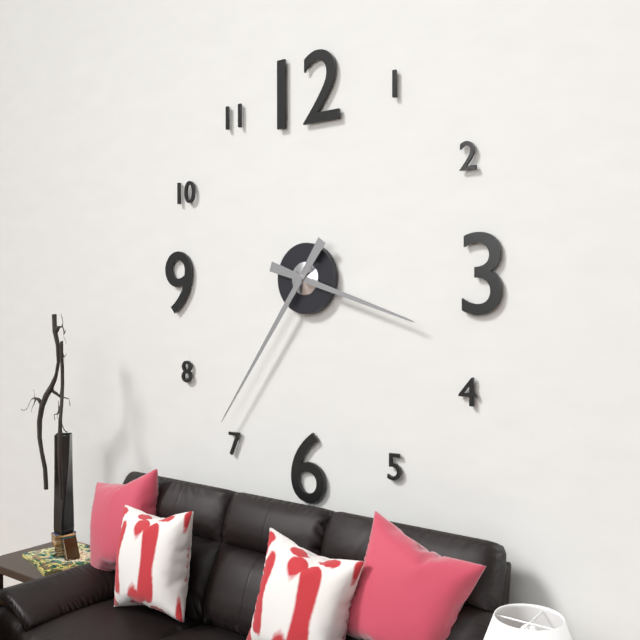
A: **3:36**
